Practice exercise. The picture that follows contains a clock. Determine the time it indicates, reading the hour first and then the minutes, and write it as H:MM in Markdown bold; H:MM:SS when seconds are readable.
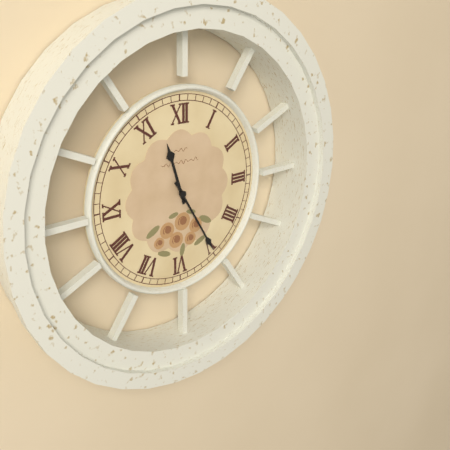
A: **11:25**
